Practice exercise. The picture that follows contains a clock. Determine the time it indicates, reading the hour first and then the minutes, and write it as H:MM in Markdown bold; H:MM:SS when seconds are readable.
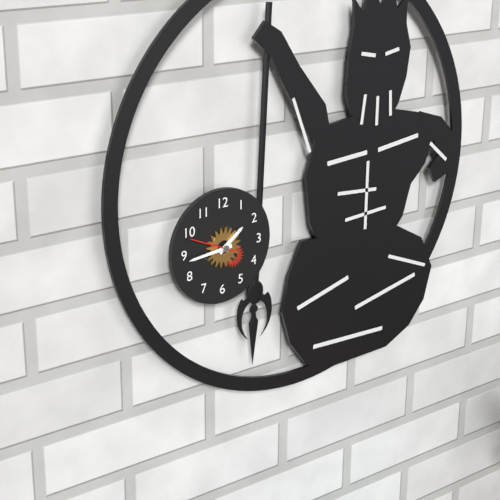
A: **1:44**
